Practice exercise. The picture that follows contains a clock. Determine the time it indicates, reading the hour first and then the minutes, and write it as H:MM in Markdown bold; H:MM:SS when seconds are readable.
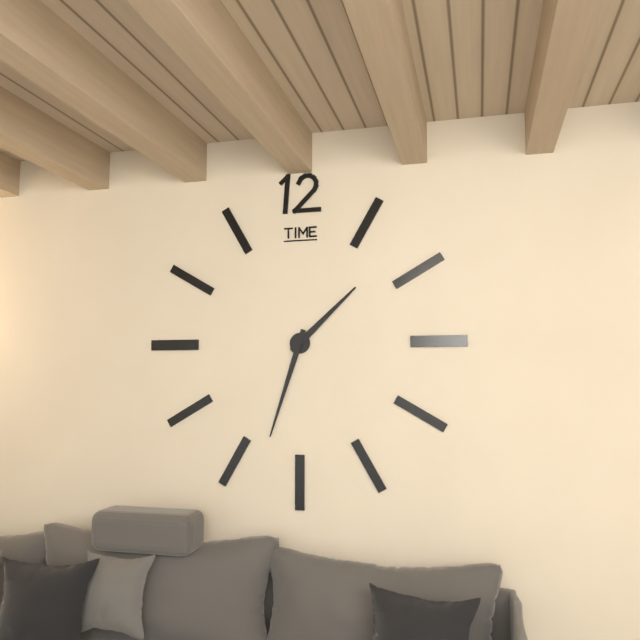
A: **1:33**
